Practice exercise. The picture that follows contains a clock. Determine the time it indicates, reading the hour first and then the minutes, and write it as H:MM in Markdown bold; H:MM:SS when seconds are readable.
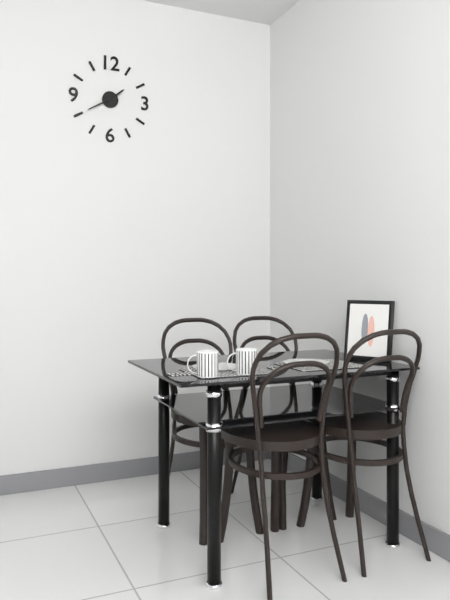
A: **1:40**
